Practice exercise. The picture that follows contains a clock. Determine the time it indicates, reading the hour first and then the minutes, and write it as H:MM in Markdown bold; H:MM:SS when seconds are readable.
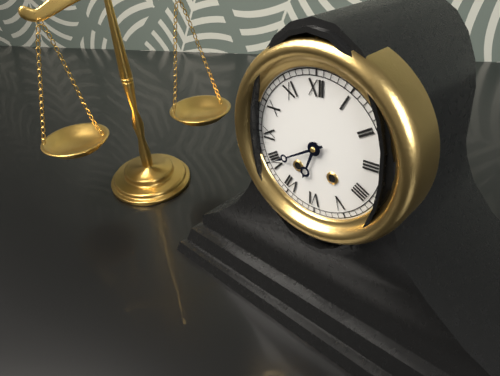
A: **6:40**
